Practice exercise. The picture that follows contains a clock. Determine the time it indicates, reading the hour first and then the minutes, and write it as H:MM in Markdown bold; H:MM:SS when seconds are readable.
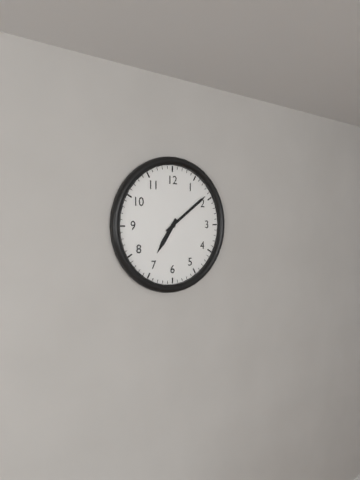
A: **7:09**
